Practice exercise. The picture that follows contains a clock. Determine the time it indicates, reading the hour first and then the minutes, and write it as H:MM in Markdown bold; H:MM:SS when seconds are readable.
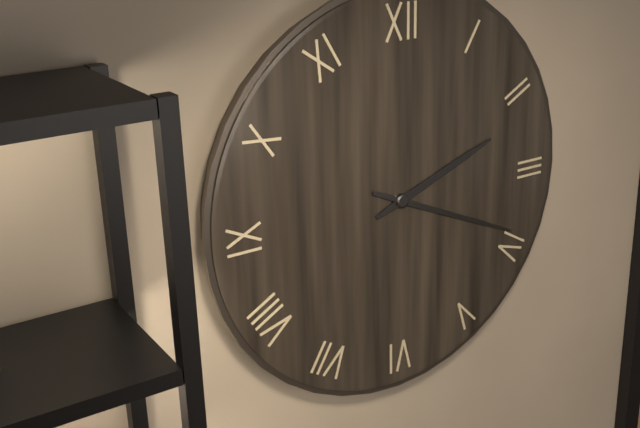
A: **2:19**
